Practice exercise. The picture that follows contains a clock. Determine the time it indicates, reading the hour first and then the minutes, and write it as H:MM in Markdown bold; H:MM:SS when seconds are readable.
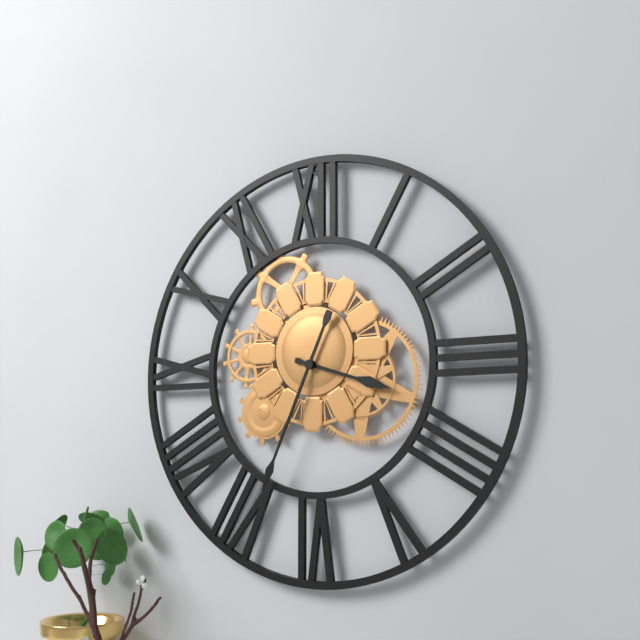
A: **3:34**
